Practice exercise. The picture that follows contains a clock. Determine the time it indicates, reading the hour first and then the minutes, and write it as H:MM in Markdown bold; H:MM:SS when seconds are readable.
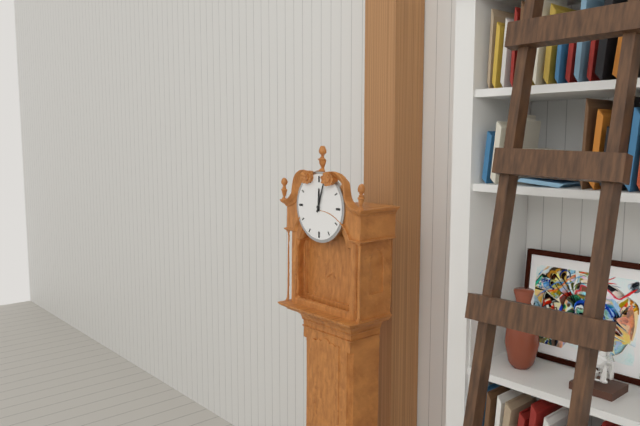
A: **12:03**
